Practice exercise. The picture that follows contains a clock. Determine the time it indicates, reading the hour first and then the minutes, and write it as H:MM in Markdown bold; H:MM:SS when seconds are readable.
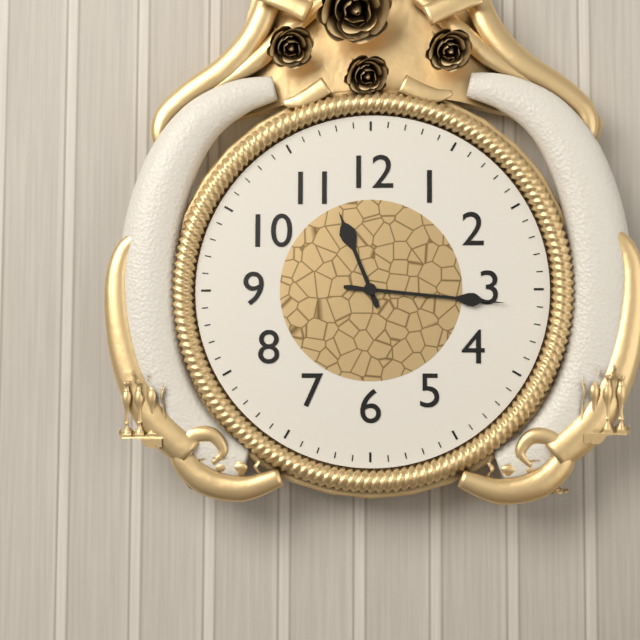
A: **11:16**
